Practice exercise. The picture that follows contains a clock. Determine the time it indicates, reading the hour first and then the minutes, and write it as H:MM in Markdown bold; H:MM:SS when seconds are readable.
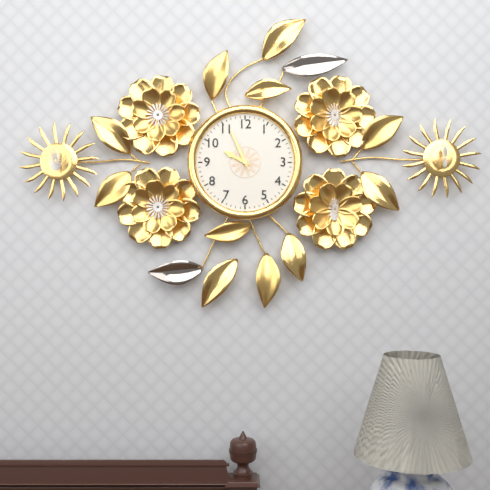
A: **9:56**
